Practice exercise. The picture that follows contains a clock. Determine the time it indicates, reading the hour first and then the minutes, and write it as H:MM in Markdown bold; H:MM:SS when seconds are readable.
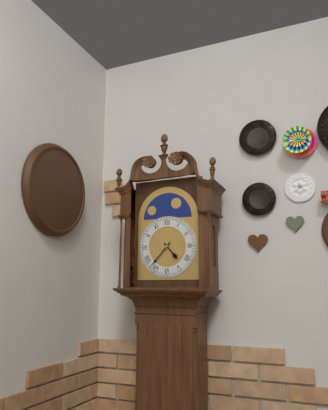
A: **4:37**
